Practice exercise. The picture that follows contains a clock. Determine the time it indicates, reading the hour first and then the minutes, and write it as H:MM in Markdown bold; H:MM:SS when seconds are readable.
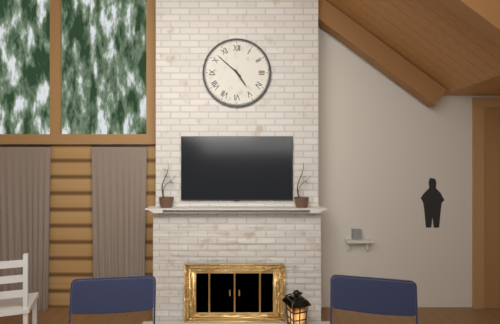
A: **4:52**
